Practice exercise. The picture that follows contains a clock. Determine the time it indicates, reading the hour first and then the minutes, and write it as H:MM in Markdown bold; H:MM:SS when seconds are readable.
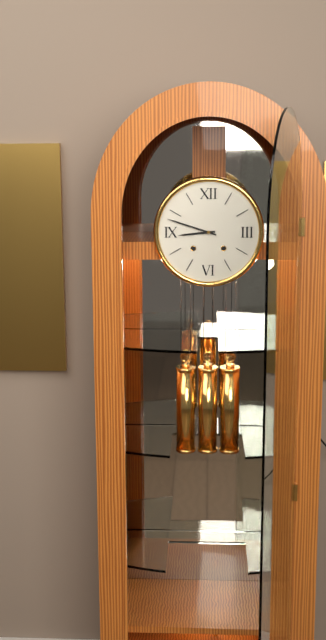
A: **8:48**
